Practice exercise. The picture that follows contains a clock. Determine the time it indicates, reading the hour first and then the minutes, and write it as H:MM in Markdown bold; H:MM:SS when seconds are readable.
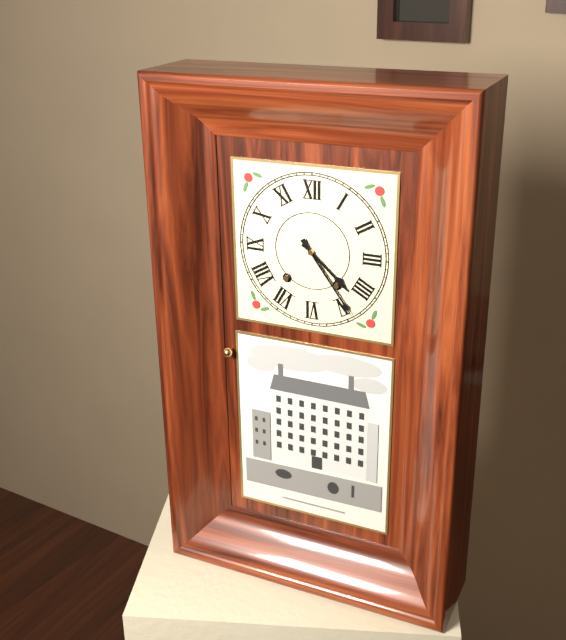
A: **4:24**
